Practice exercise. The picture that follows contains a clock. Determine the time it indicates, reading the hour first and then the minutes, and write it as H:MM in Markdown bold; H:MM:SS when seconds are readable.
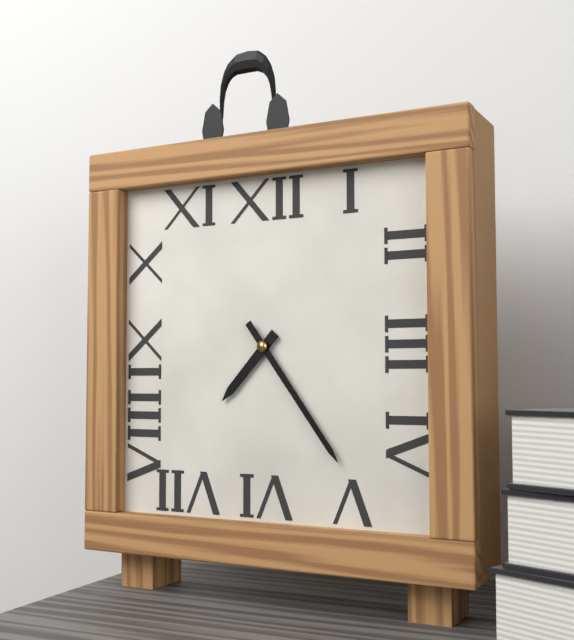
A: **7:24**
